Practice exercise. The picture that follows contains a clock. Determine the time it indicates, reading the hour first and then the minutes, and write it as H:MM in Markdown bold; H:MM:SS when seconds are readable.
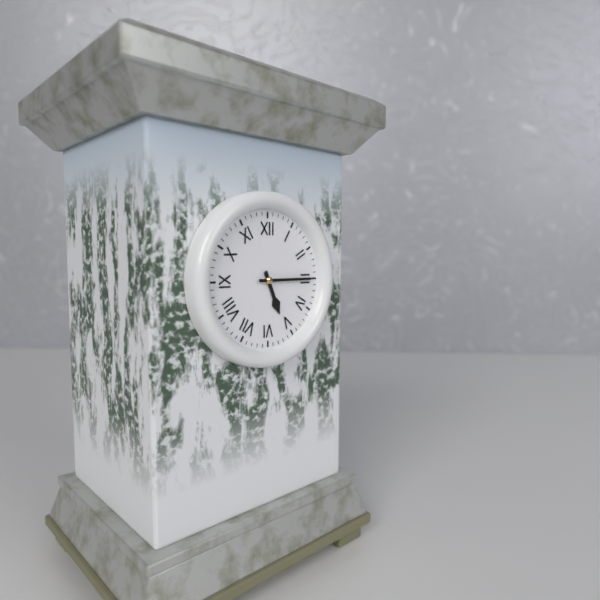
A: **5:15**
